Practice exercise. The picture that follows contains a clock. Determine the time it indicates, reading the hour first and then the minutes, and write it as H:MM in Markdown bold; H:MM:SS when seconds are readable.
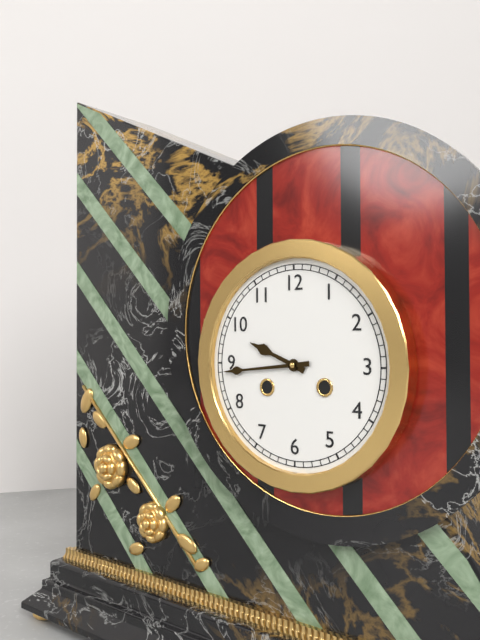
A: **9:44**
